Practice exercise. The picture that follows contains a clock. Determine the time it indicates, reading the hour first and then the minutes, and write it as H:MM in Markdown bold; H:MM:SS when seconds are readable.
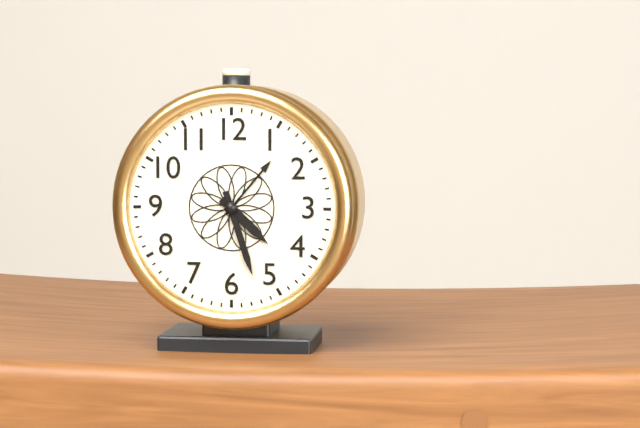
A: **4:27**
